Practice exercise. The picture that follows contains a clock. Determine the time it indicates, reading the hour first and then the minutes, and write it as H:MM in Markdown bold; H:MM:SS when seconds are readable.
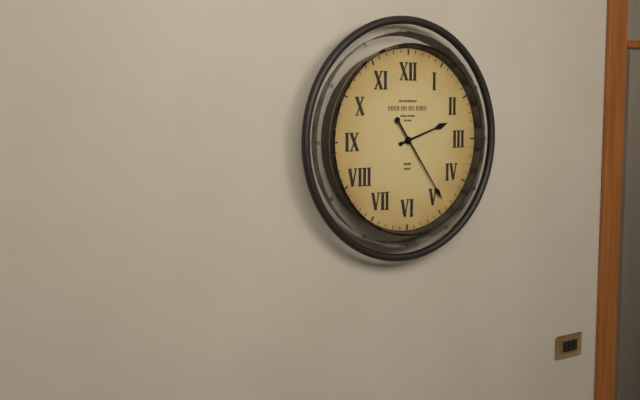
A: **2:24**
